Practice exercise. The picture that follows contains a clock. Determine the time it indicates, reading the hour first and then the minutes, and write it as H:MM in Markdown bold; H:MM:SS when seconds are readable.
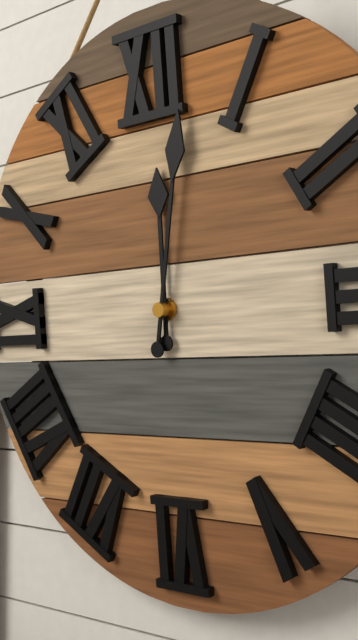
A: **12:02**
